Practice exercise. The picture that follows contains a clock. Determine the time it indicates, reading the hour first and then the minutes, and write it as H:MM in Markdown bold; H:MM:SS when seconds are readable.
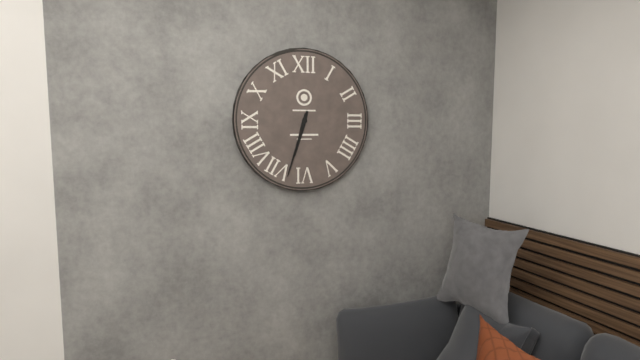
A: **6:33**
